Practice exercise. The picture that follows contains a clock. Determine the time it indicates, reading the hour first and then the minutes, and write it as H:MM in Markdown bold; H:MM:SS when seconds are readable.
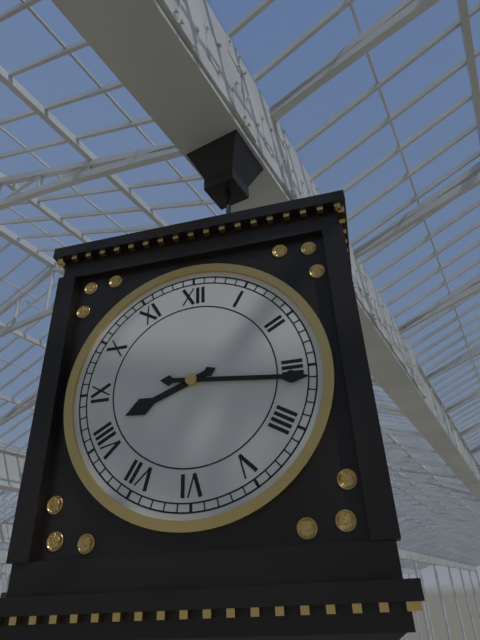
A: **8:16**
